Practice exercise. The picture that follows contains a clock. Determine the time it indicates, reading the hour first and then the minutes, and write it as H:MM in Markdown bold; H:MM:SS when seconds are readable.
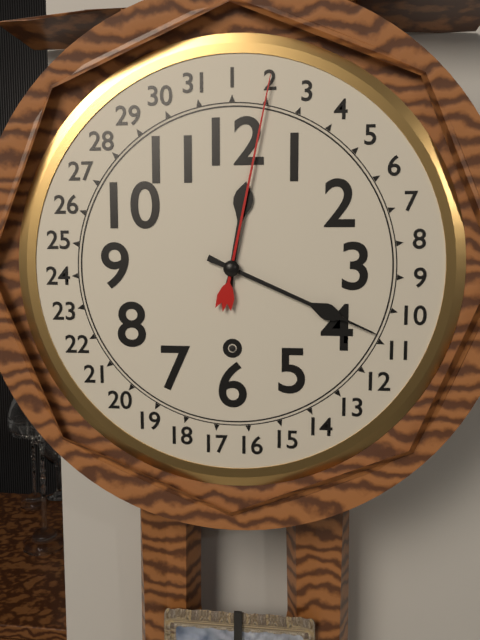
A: **12:19**
